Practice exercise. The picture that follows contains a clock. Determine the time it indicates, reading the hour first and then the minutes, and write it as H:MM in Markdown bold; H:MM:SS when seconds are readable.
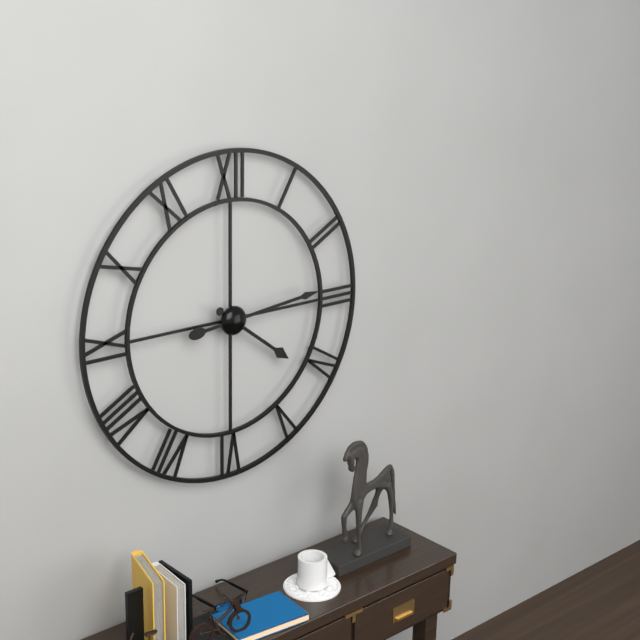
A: **4:14**
